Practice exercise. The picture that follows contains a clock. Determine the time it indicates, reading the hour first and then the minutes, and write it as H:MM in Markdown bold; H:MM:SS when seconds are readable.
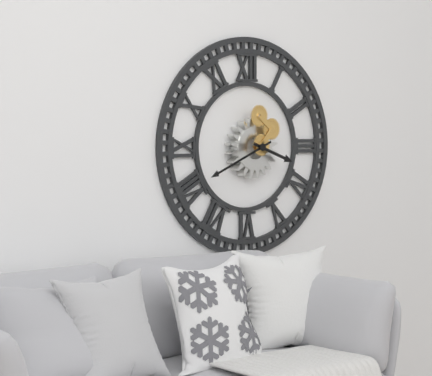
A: **3:41**
